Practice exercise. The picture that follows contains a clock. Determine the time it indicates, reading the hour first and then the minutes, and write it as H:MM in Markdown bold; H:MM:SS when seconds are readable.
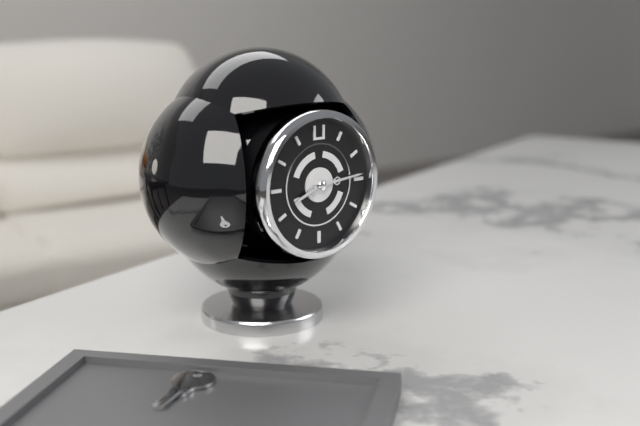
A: **8:14**
